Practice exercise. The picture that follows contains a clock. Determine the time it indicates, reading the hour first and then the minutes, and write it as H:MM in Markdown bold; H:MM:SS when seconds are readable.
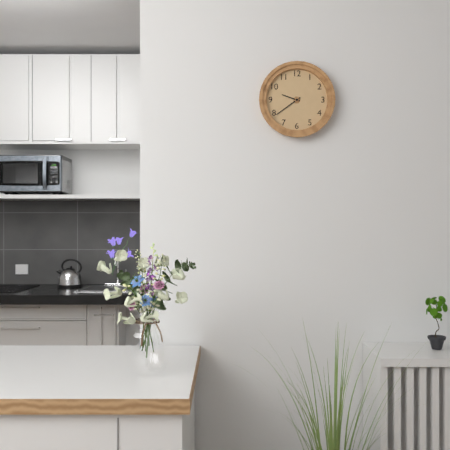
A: **9:39**
